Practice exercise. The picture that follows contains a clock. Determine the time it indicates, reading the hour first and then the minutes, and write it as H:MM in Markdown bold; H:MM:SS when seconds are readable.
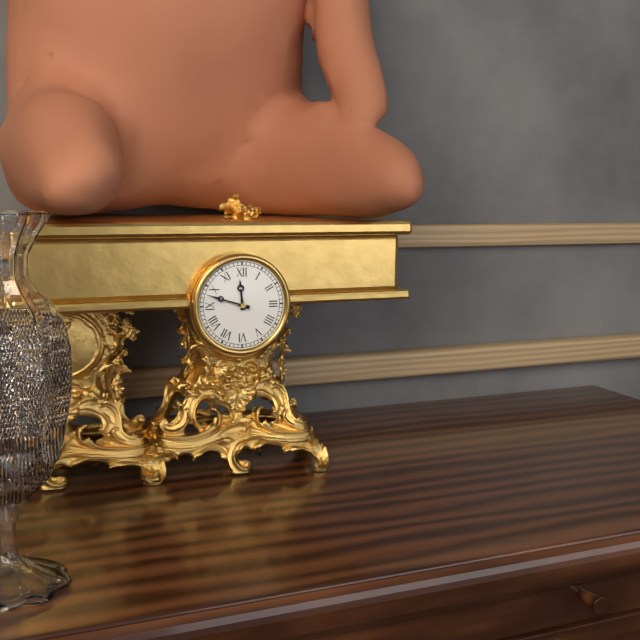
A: **11:48**
